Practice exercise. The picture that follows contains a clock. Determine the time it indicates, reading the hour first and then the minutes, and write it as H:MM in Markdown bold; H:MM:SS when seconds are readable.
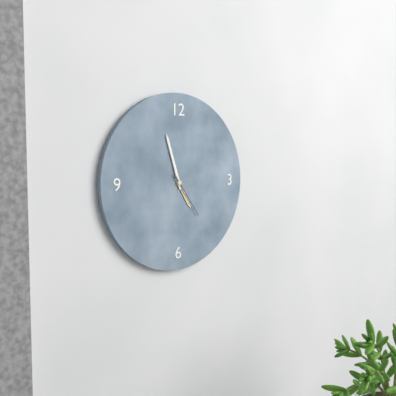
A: **4:57**
